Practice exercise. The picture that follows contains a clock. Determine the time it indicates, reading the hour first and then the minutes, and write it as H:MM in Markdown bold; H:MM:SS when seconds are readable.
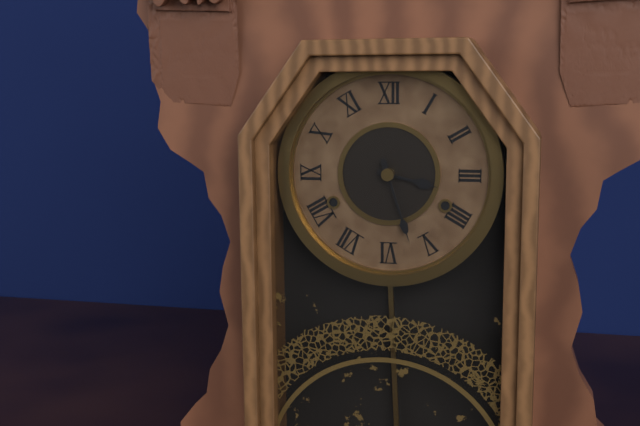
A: **3:27**
